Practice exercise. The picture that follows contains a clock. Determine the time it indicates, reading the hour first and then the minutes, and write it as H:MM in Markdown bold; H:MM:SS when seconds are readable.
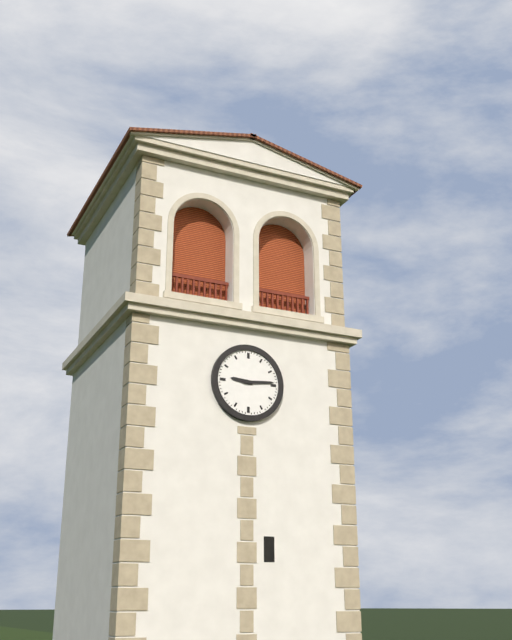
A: **9:14**
